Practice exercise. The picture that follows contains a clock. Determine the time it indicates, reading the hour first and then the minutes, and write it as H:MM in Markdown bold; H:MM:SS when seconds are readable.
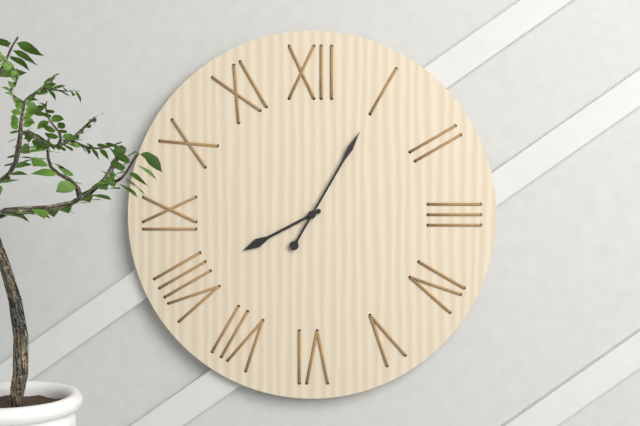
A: **8:05**
